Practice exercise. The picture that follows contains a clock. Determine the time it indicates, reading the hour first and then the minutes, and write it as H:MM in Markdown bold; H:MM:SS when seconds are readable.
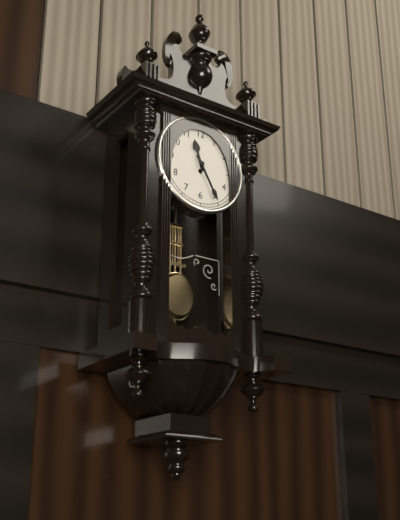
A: **11:25**
